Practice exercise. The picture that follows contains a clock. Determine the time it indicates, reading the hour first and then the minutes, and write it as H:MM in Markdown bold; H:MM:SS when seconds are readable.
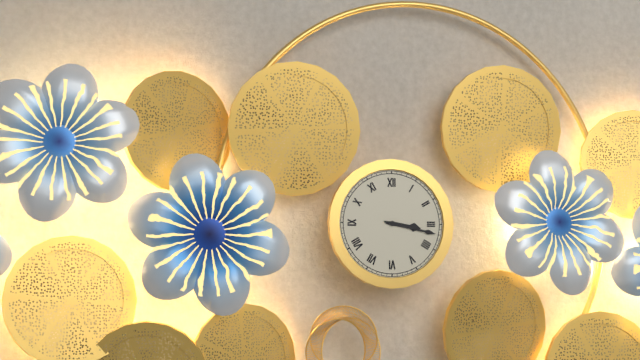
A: **3:17**
